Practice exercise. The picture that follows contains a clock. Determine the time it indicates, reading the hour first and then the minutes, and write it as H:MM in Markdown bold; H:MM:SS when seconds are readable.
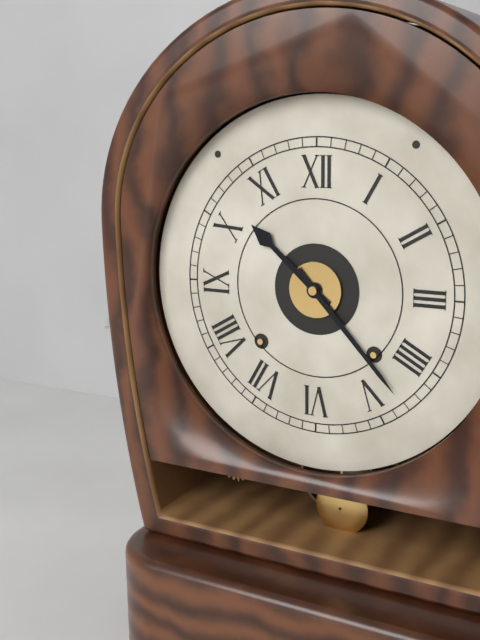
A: **10:23**
